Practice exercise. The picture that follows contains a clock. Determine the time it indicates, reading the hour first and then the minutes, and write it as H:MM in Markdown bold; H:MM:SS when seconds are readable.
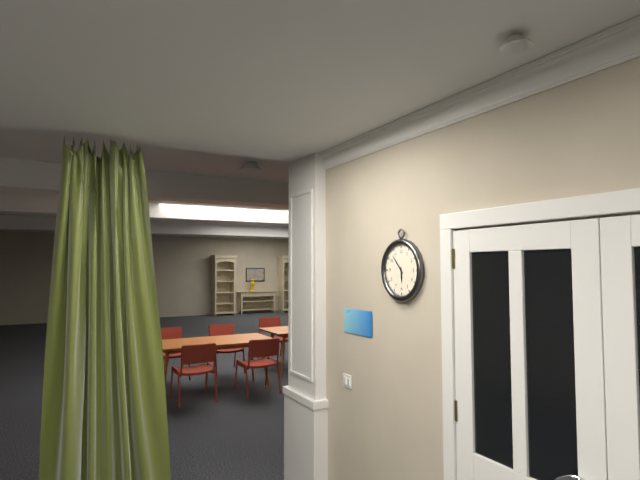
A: **5:53**
